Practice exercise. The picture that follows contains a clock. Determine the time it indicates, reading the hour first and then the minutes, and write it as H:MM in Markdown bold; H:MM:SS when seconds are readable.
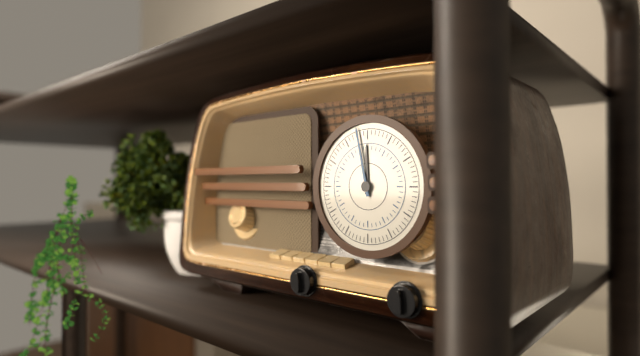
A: **11:58**
